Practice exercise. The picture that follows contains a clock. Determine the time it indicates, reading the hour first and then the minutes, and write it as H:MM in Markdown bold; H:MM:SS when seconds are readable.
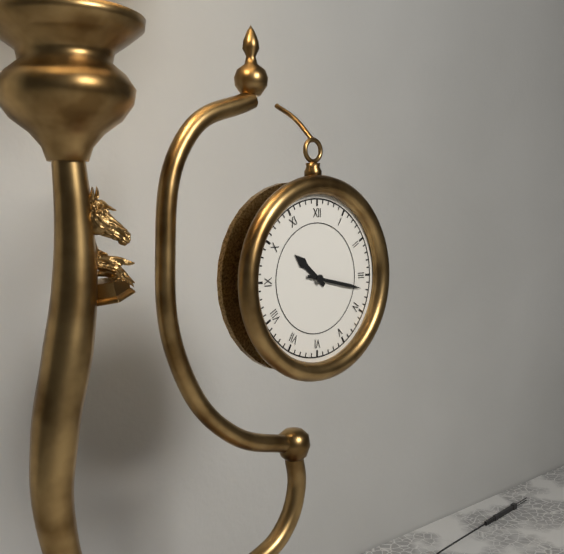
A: **10:17**
